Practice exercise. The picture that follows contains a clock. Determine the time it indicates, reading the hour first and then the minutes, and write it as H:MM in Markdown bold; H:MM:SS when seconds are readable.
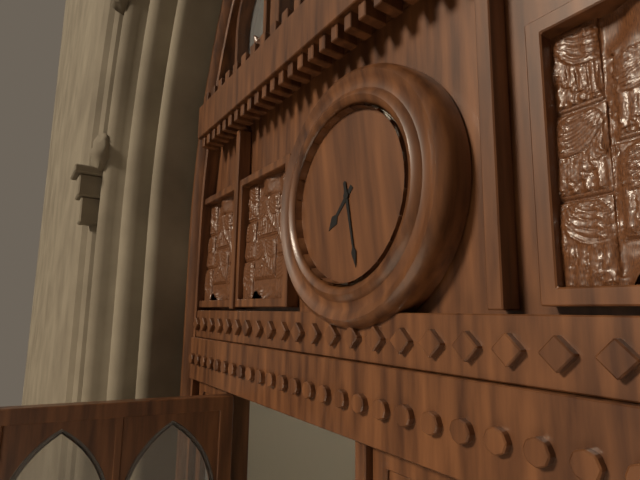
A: **7:28**
